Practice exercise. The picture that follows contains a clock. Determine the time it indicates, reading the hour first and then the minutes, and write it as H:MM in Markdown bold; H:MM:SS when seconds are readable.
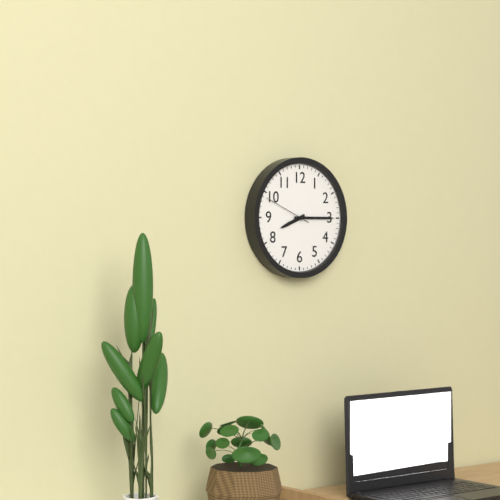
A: **8:15**
